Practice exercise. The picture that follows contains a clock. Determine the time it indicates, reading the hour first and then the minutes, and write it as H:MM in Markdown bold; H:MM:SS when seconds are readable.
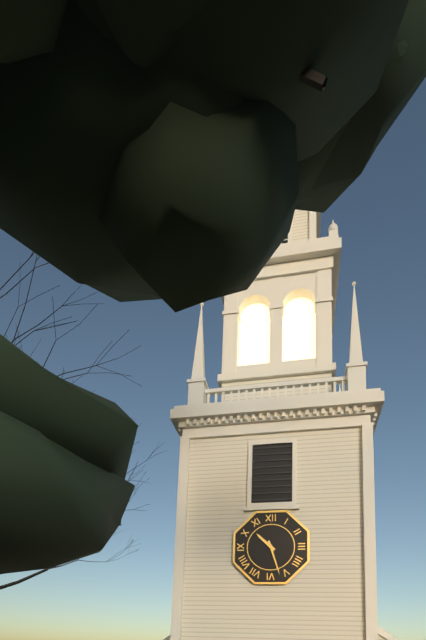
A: **10:27**
